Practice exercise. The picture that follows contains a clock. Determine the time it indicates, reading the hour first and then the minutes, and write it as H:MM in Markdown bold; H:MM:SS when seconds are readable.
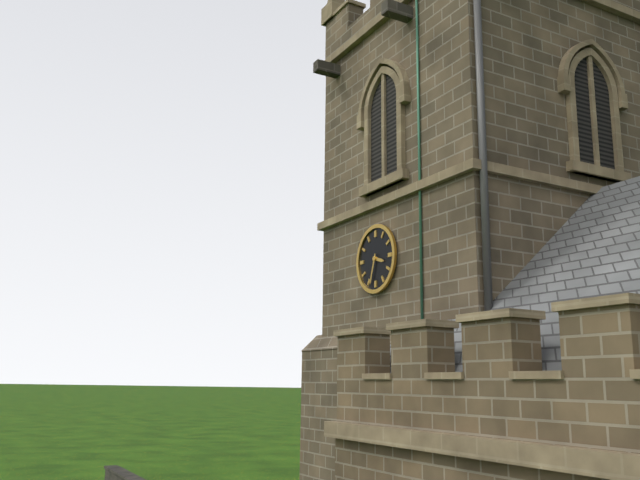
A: **3:33**
